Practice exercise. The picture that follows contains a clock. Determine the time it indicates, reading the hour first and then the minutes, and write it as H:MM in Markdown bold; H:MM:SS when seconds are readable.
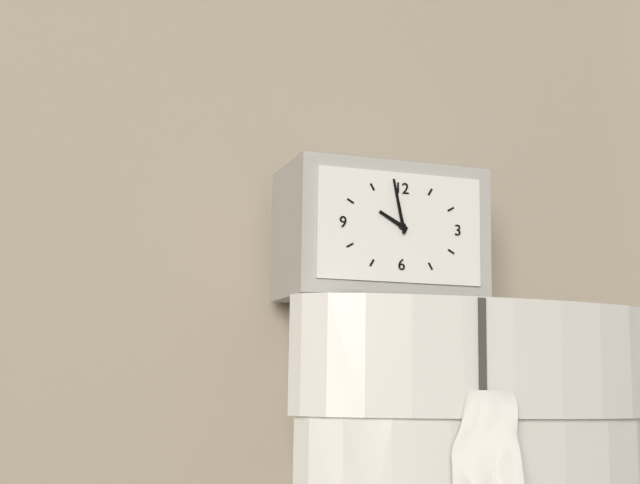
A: **9:58**
